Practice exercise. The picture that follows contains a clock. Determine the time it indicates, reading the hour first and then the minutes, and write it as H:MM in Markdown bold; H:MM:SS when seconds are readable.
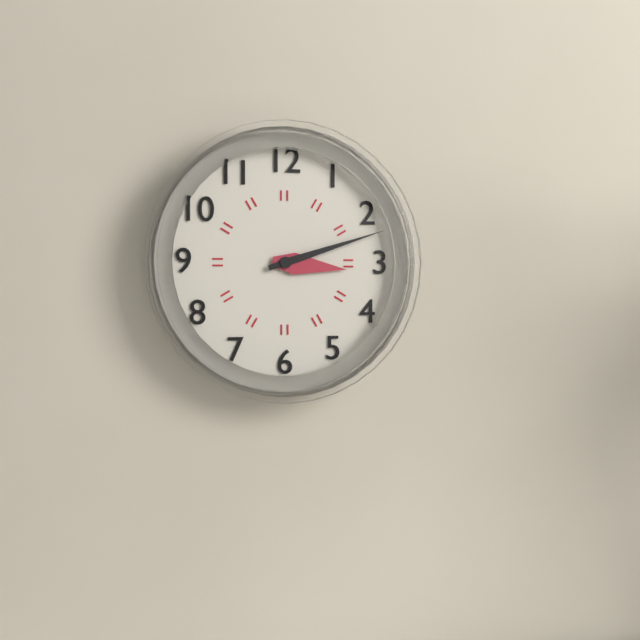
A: **3:12**
